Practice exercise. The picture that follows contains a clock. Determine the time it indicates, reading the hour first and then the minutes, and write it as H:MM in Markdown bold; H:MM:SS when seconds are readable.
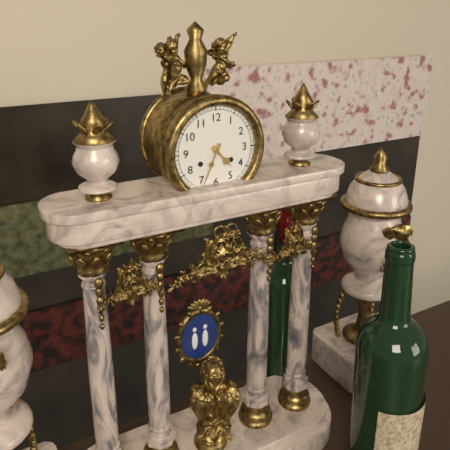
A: **4:34**
